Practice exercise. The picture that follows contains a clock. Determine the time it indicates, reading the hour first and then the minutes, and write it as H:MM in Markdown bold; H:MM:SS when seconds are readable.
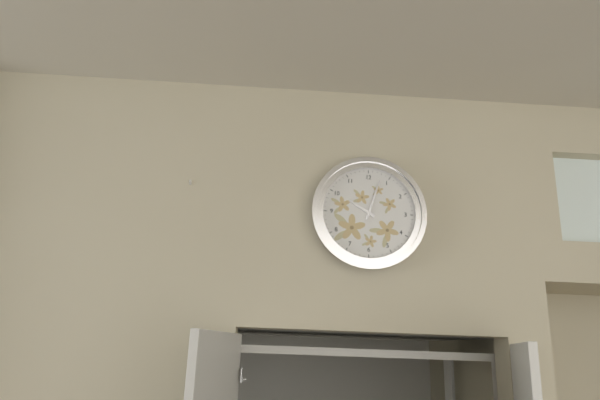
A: **10:03**
